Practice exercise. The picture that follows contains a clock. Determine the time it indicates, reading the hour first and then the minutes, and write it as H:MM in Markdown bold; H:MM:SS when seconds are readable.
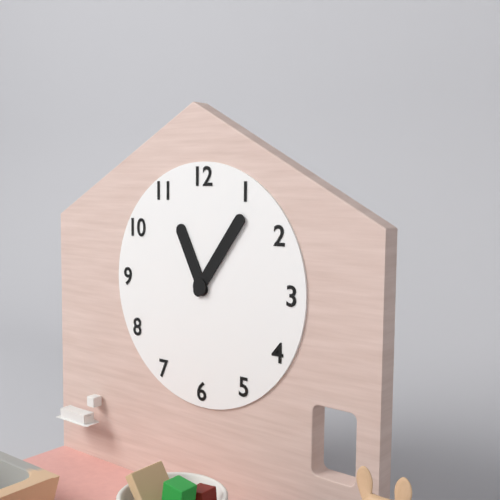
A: **11:06**
